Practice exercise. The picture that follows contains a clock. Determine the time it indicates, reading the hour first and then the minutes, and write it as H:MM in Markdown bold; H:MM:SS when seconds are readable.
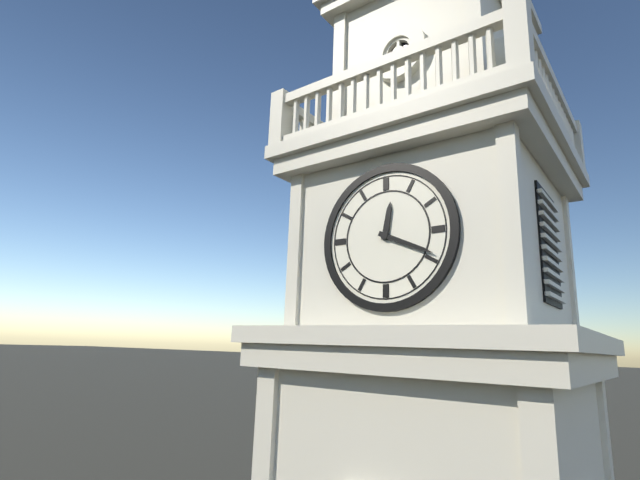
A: **12:19**
